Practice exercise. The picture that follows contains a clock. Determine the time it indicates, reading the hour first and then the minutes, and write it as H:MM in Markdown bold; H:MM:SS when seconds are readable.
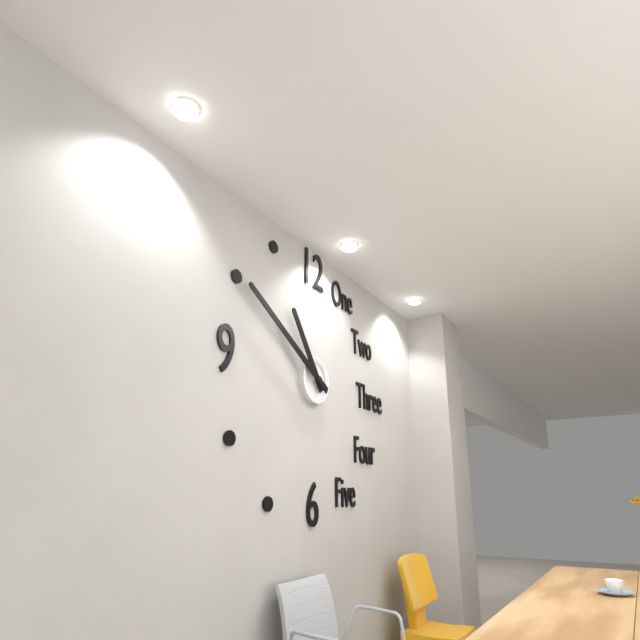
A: **10:50**
